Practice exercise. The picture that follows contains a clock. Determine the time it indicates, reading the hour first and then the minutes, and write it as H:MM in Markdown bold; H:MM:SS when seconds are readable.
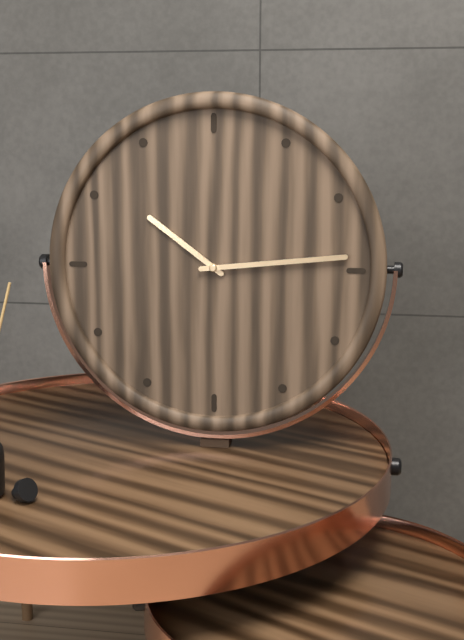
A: **10:14**
